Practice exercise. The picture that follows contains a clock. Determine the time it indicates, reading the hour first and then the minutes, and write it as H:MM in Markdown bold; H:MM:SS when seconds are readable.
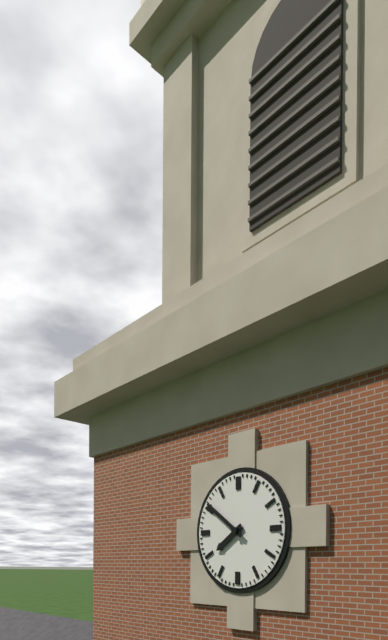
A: **7:51**
